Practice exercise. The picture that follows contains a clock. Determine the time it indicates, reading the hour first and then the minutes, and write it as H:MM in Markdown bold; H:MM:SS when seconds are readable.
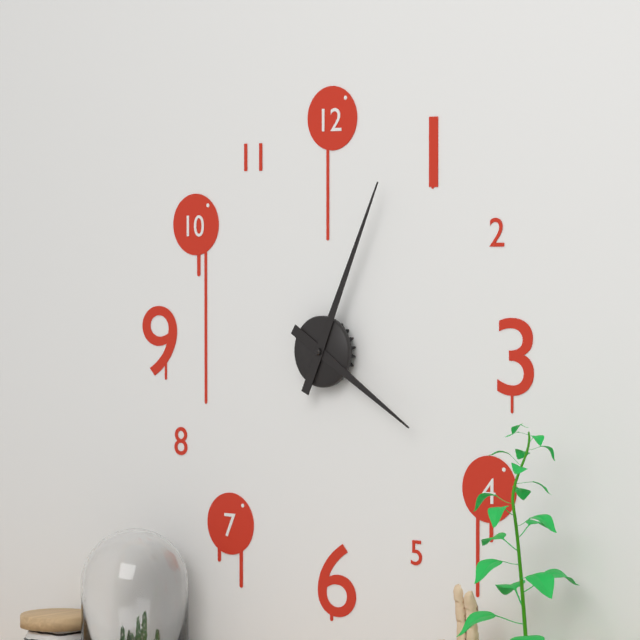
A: **4:04**
